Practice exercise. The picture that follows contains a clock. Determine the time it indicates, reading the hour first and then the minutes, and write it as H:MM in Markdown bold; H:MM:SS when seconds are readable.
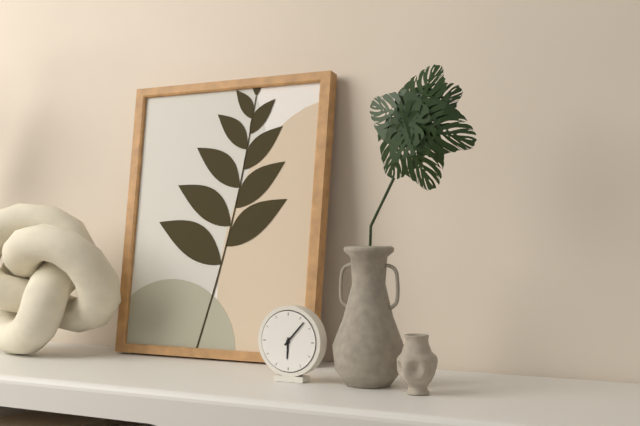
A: **6:07**
